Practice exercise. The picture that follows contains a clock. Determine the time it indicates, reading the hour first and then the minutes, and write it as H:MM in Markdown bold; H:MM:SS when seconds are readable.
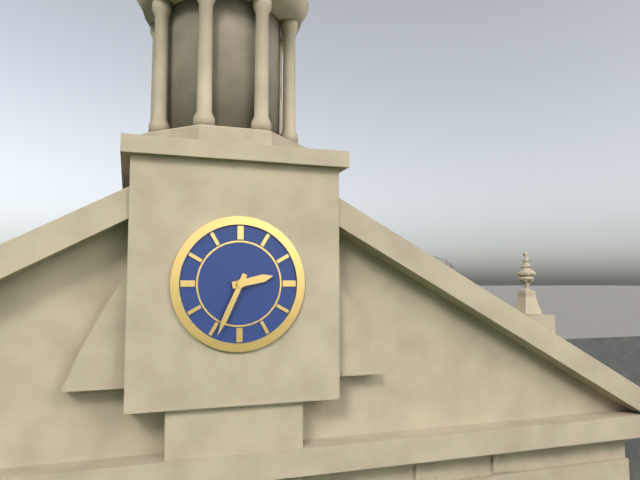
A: **2:34**
